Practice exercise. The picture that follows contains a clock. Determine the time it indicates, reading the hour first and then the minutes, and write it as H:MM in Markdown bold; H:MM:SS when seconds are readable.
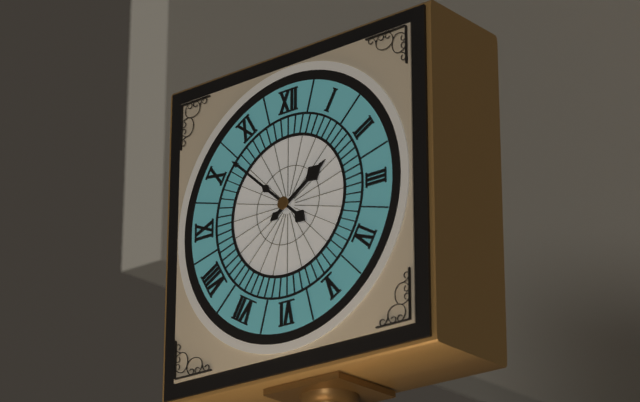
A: **1:52**
